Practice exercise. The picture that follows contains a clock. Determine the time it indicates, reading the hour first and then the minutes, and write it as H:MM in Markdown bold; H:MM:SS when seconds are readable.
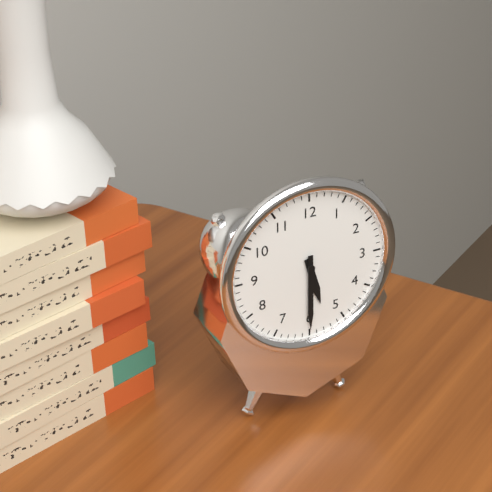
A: **5:30**
